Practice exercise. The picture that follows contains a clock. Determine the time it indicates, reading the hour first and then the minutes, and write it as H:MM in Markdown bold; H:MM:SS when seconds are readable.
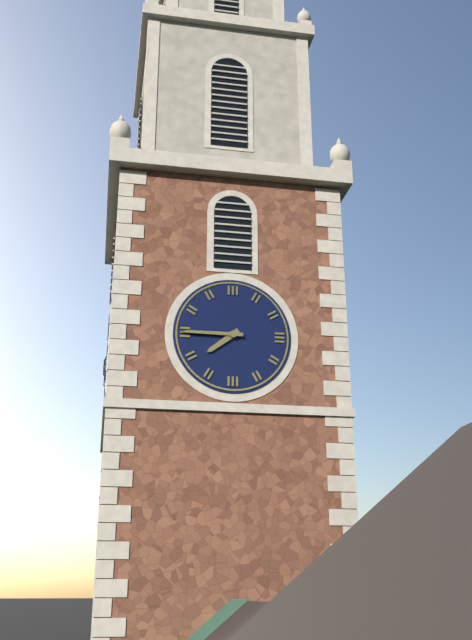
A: **7:45**
